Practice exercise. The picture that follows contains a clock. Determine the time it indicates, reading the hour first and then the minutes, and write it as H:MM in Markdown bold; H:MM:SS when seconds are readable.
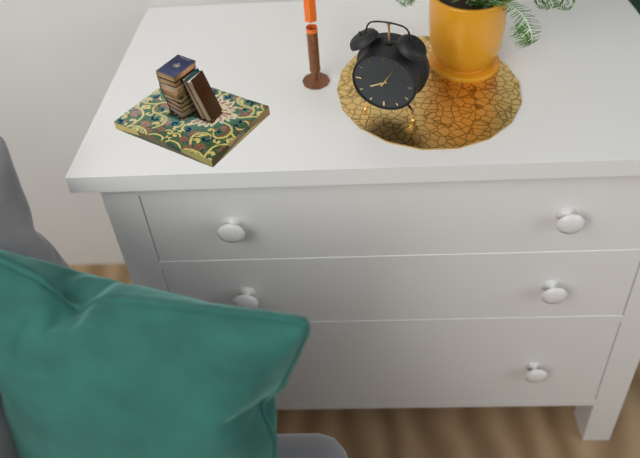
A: **8:05**
